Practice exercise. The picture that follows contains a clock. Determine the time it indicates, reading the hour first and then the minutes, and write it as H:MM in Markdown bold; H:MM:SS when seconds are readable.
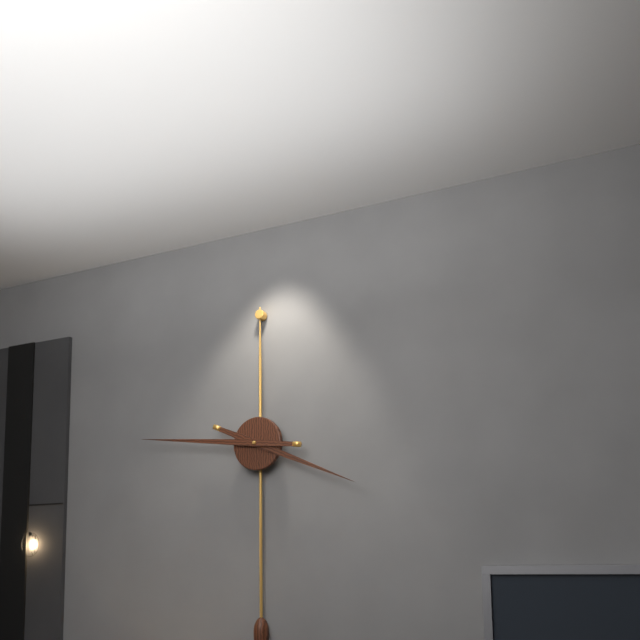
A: **3:46**
